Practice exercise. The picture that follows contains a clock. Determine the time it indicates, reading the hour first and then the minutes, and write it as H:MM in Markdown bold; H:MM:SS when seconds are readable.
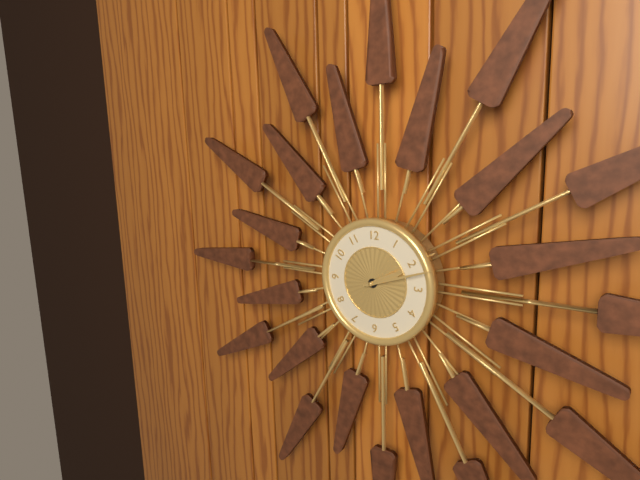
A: **2:12**
